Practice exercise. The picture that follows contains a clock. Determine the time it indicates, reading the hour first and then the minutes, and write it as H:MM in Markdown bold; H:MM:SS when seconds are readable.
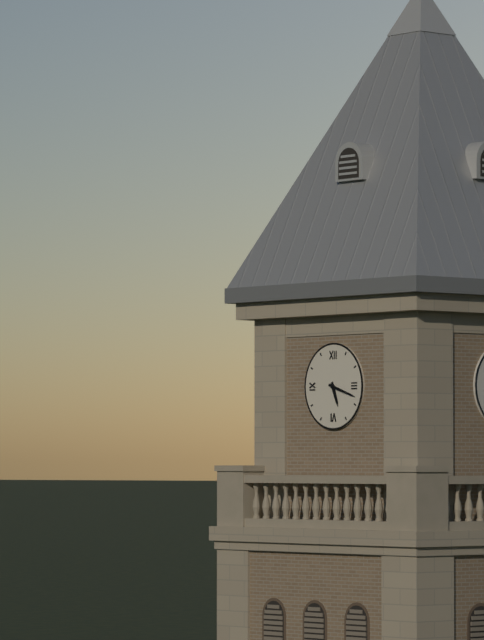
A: **5:18**
